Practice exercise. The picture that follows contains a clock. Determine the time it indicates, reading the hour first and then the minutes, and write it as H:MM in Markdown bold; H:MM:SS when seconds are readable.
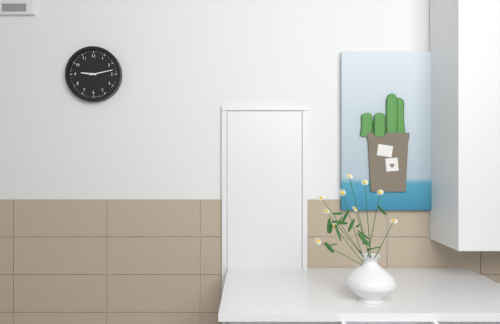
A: **9:13**
